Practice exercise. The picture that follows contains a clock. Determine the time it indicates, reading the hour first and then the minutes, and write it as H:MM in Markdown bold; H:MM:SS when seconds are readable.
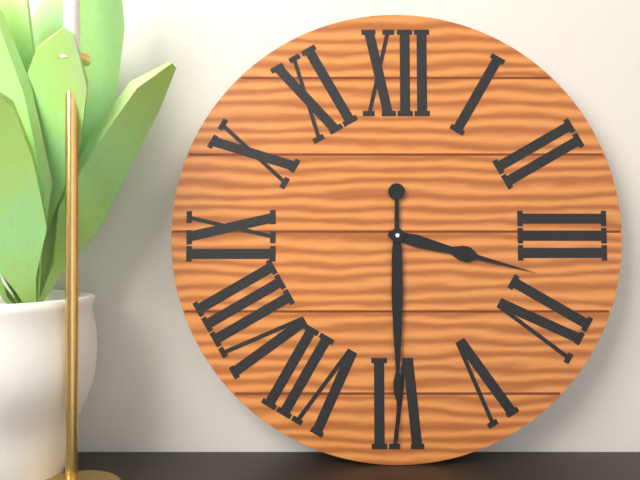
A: **3:30**
